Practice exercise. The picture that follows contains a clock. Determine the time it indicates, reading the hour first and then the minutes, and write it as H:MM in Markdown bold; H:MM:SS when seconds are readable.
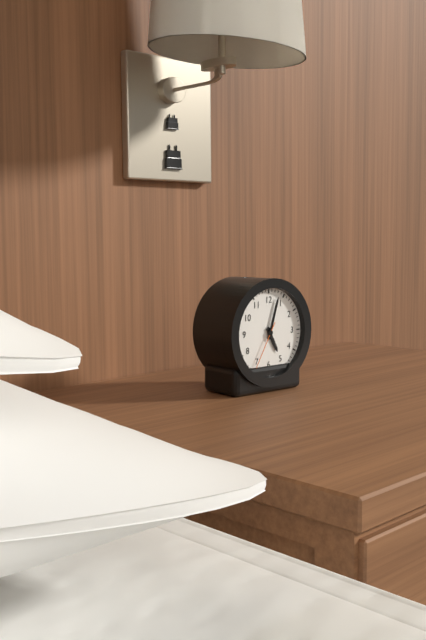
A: **5:03**
